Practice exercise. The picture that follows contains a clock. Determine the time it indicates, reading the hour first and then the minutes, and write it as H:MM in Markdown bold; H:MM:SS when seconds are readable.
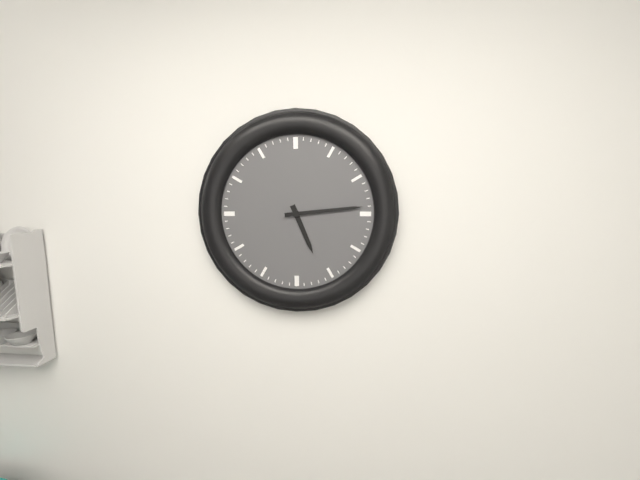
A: **5:14**
